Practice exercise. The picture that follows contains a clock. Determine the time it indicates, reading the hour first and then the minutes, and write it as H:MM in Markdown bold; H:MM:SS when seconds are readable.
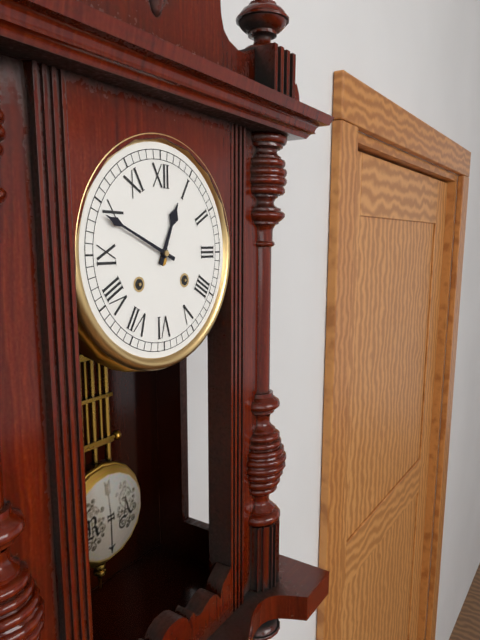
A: **12:49**
